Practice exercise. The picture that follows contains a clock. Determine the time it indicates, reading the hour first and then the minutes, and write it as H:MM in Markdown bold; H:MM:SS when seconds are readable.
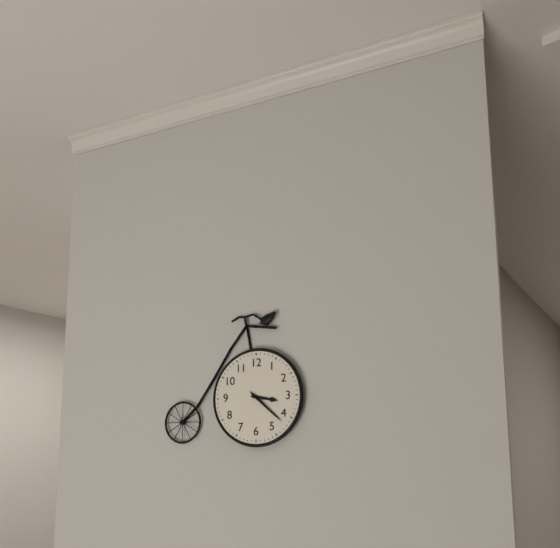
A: **3:22**
